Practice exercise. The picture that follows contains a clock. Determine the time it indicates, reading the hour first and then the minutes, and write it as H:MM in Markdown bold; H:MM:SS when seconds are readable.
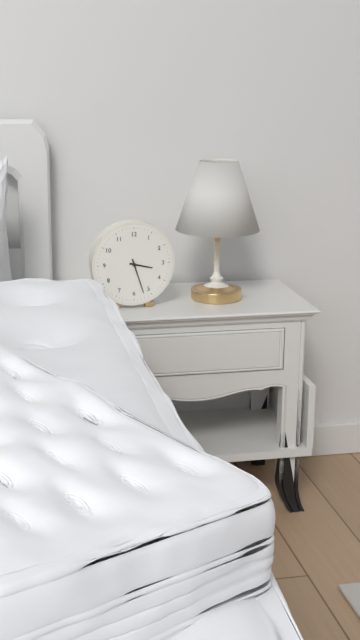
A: **3:27**
